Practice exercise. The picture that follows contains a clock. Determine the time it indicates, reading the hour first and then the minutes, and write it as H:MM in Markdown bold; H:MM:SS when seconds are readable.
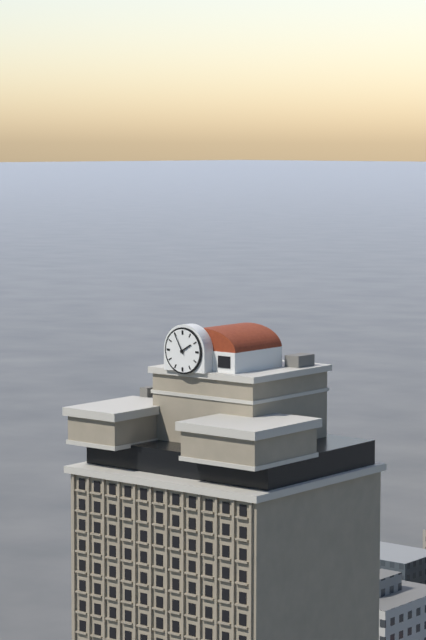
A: **1:55**
